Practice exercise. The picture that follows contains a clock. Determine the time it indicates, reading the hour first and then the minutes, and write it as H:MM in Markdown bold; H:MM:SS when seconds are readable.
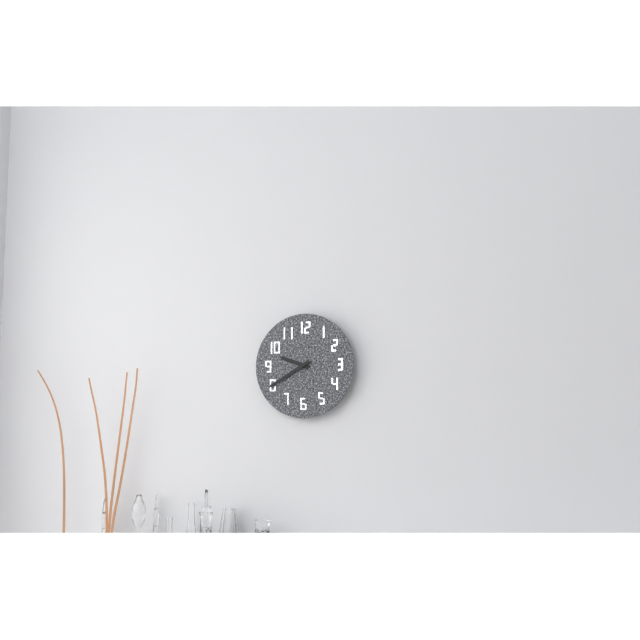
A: **9:40**
